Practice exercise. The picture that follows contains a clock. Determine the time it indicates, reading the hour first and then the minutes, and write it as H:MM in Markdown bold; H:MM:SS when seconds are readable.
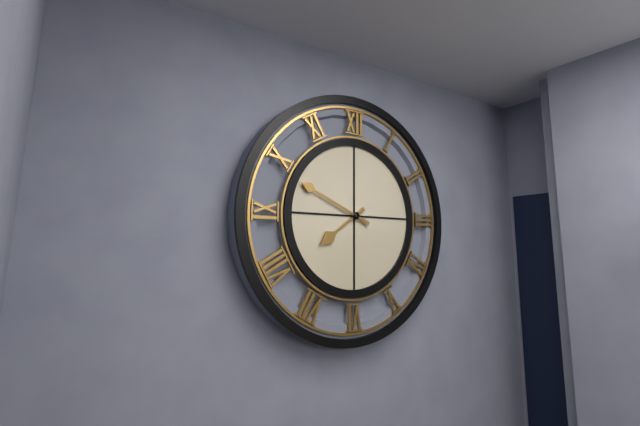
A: **7:49**
